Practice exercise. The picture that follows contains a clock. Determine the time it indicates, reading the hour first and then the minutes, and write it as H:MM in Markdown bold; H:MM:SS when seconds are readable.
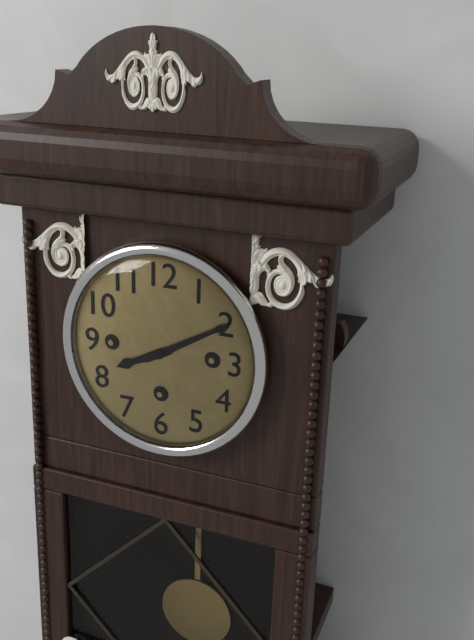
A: **8:10**
